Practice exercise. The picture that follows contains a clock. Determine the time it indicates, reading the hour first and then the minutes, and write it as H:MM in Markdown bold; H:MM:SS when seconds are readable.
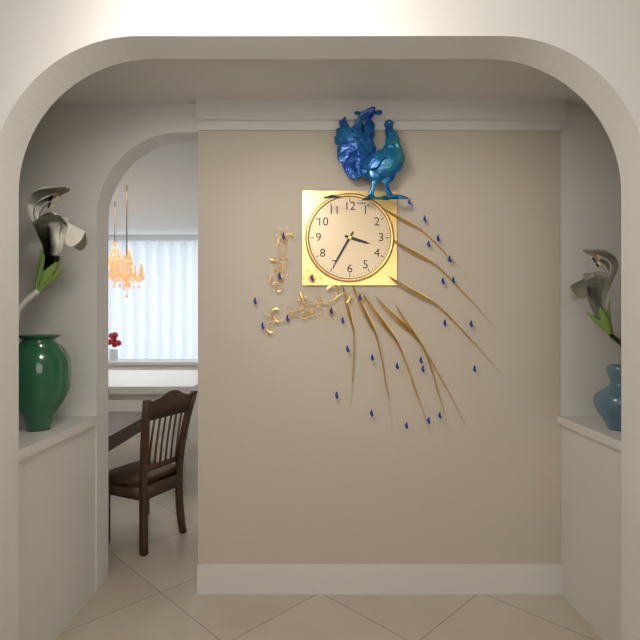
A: **3:35**
